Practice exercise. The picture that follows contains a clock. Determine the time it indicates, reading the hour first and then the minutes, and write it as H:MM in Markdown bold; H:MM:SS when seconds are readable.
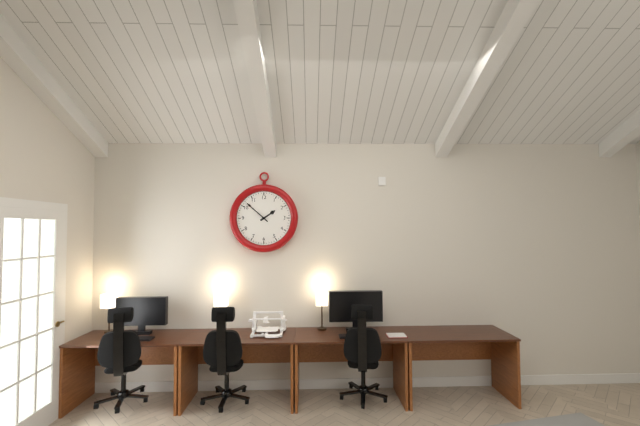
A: **1:52**
